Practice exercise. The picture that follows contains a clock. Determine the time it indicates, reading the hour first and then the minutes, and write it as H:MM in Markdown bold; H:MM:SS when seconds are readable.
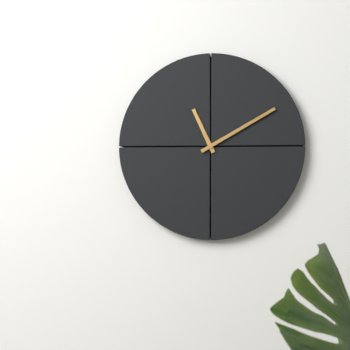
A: **11:10**
